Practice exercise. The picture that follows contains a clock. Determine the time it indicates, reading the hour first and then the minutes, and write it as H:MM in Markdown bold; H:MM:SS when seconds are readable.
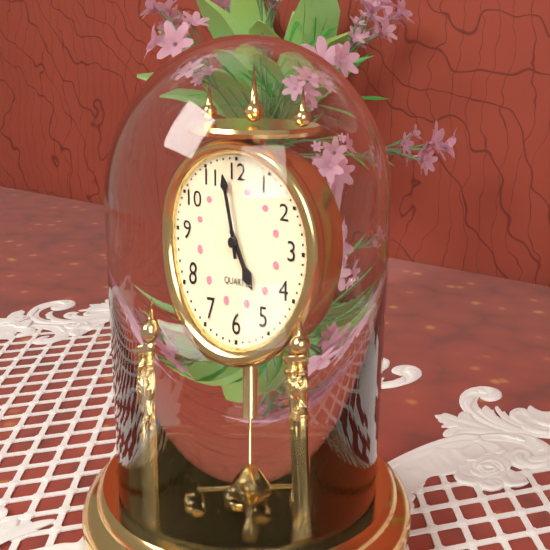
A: **4:58**
